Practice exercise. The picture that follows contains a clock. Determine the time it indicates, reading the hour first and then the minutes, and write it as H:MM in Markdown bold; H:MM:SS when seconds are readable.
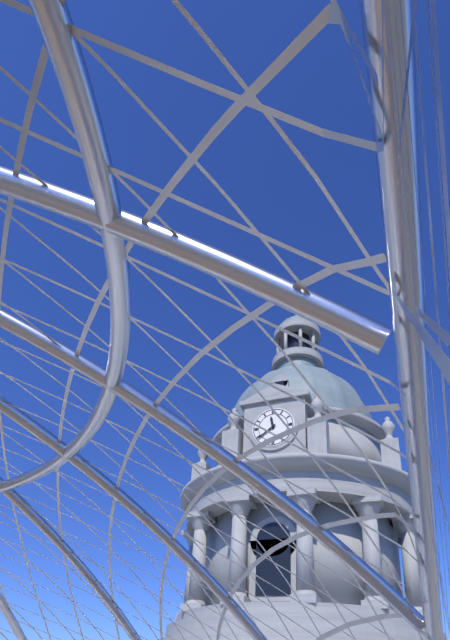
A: **11:39**
